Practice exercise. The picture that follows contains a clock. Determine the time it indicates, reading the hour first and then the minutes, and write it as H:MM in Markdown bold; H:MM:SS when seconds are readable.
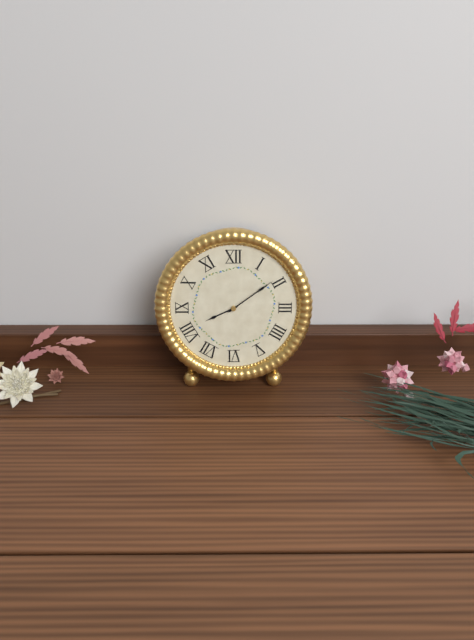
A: **8:09**
